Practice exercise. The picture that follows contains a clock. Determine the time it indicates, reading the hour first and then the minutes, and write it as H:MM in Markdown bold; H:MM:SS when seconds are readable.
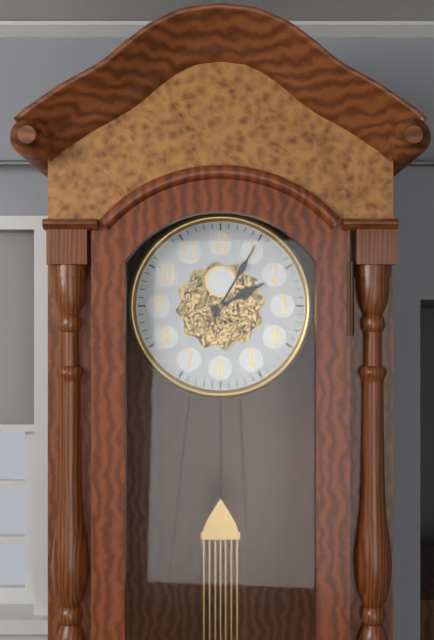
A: **2:05**
